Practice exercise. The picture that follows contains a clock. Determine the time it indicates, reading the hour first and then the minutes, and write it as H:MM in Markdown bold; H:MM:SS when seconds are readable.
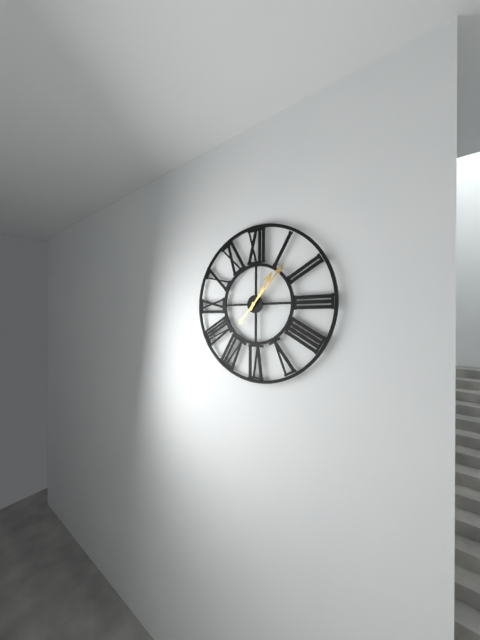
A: **1:07**
